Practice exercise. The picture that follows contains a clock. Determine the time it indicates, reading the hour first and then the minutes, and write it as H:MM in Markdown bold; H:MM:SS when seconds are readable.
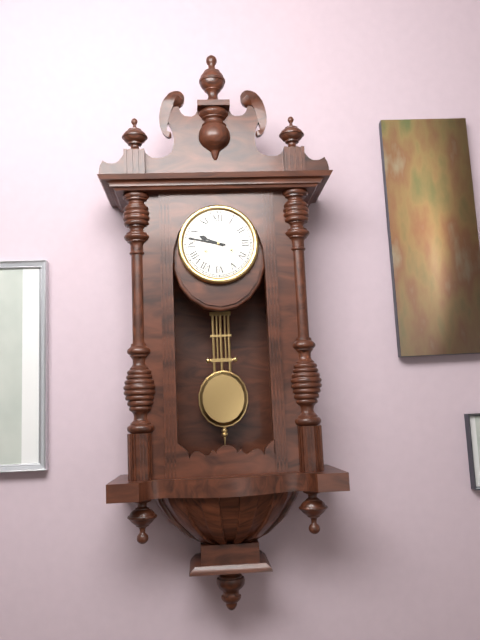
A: **9:47**
